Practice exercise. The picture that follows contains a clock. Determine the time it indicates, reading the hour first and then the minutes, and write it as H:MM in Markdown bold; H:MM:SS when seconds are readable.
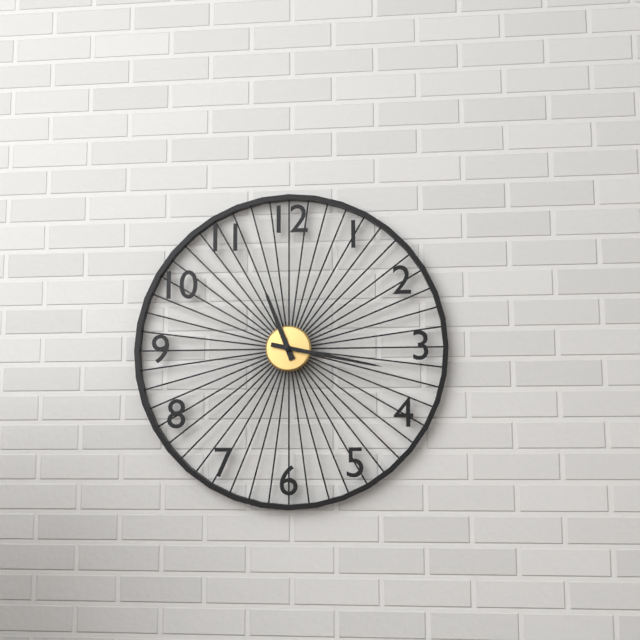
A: **11:17**
